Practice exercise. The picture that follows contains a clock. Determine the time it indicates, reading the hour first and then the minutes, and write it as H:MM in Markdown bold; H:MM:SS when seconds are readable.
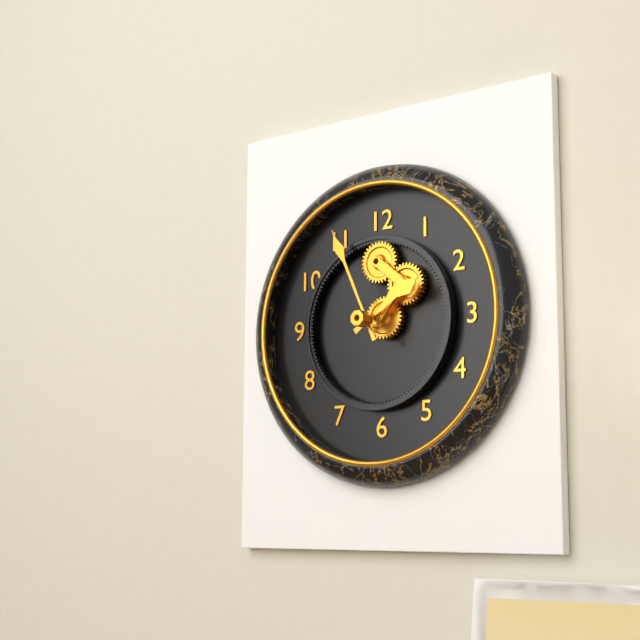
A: **1:56**
